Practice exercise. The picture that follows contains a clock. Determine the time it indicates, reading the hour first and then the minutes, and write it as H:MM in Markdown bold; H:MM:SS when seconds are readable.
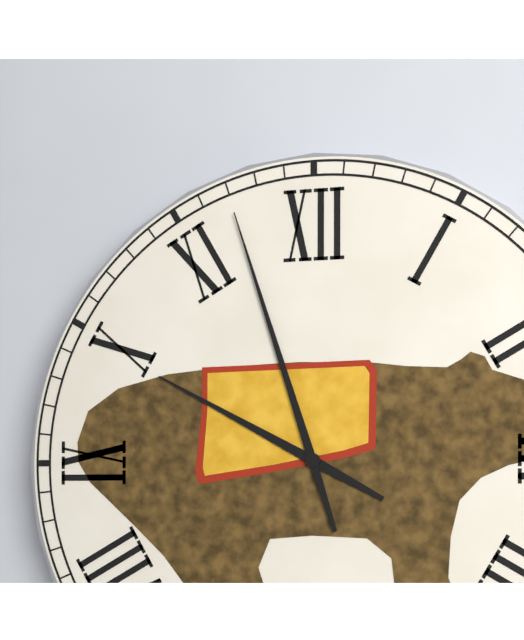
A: **9:57**
